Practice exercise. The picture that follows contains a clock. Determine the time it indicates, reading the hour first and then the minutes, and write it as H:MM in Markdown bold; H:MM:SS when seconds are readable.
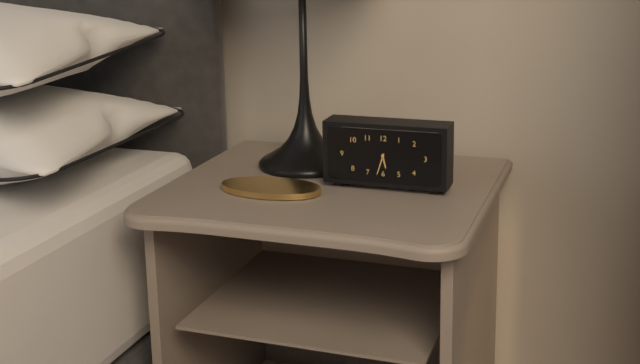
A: **5:33**
